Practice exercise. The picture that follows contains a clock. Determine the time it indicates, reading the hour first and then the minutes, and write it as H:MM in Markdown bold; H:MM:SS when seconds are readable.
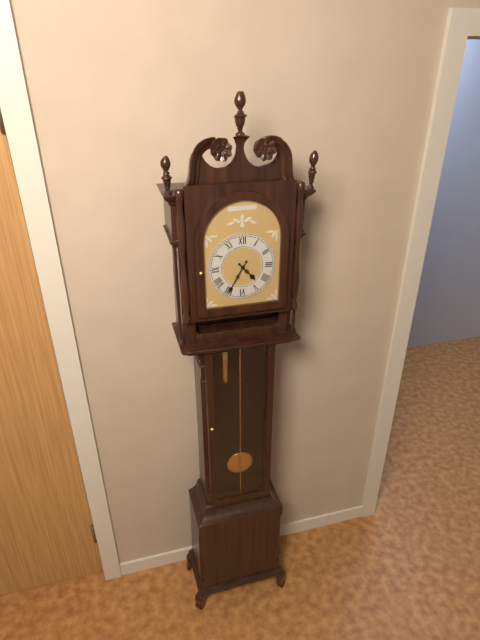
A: **4:35**
